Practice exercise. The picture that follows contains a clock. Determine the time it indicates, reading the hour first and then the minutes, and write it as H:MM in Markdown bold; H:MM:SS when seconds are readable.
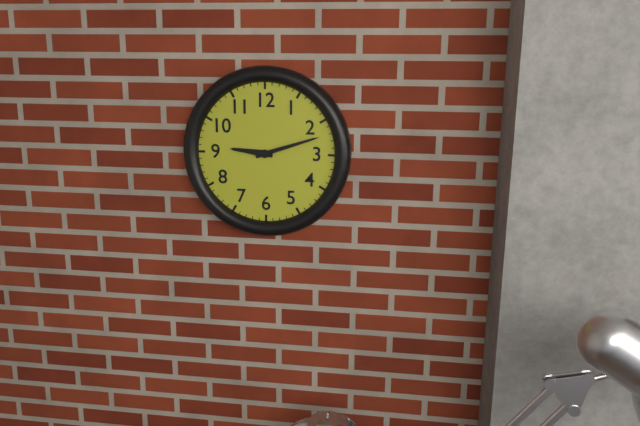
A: **9:12**
